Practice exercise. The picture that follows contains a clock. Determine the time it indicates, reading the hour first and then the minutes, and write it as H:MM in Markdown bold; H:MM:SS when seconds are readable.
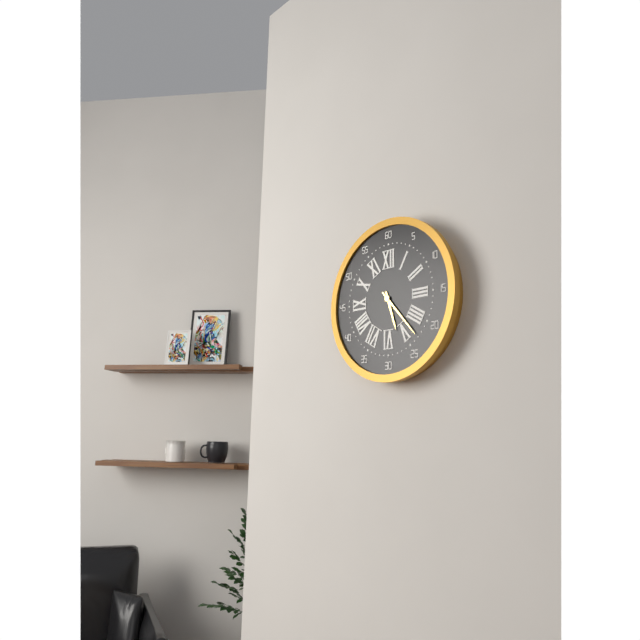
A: **5:23**
